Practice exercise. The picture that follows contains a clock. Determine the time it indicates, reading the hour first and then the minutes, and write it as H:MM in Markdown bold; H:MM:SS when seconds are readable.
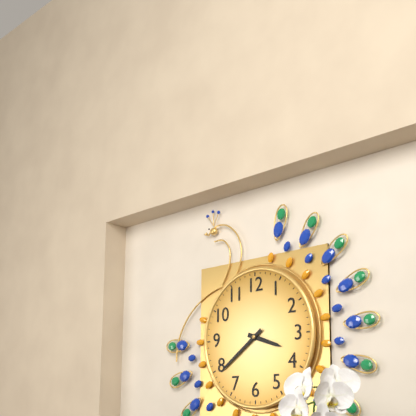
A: **3:39**
